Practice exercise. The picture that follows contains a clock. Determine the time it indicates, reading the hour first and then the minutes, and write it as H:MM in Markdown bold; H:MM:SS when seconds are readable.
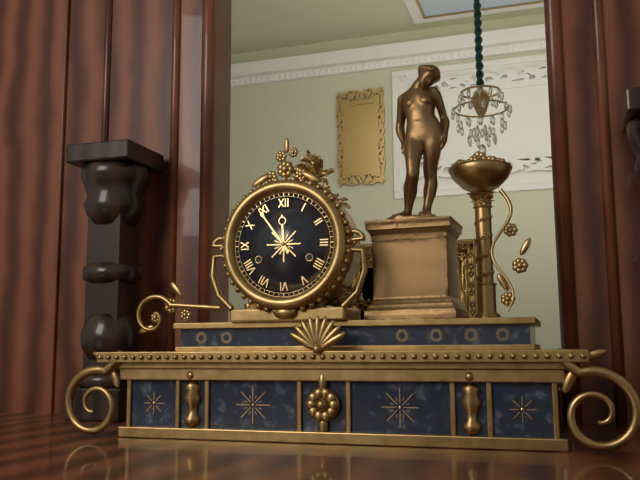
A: **11:54**
